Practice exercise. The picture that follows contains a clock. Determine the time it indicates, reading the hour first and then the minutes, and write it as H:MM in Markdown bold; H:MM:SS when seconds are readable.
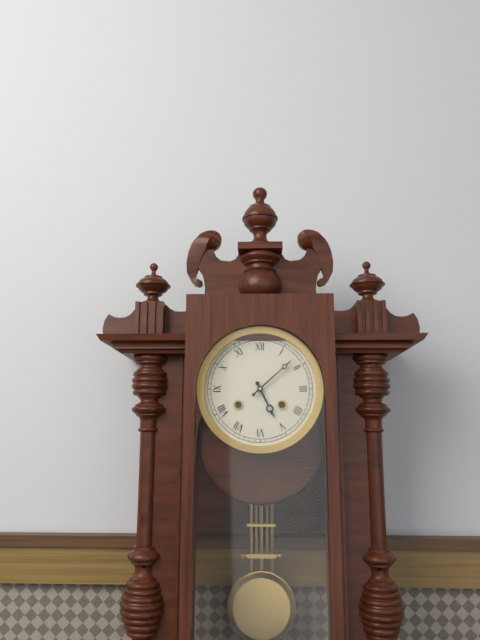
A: **5:08**
